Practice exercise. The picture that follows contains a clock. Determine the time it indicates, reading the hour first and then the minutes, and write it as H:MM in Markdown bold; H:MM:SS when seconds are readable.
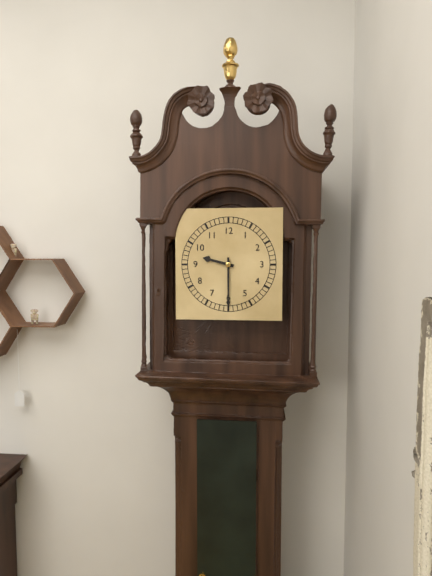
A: **9:30**
